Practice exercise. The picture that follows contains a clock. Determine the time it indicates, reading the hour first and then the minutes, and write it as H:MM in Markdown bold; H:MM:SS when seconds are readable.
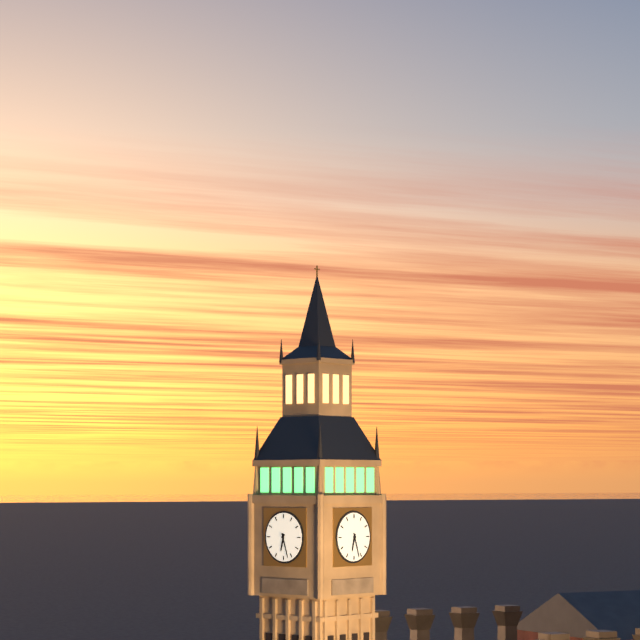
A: **6:27**
